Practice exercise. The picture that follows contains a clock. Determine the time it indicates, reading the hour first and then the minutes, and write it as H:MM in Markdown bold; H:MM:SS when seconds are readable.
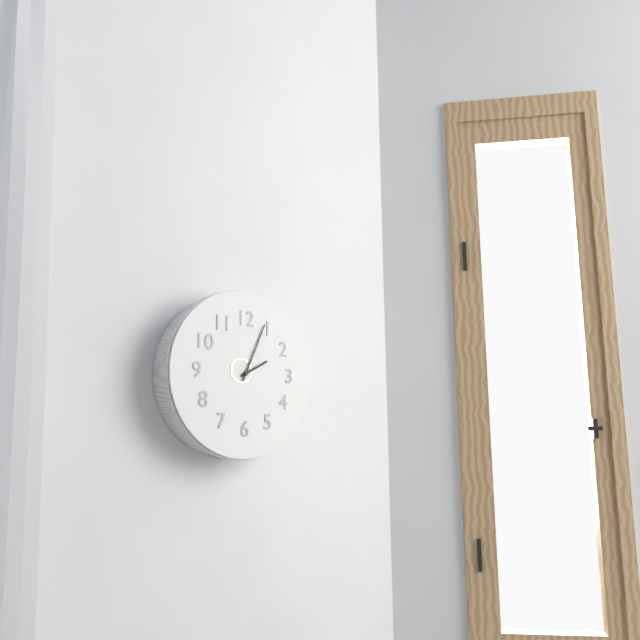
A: **2:04**
